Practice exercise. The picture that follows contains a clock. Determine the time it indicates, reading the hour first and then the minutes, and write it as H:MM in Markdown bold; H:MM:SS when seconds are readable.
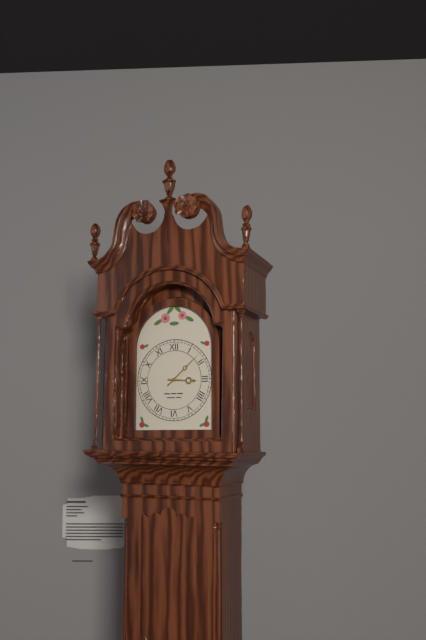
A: **3:08**
